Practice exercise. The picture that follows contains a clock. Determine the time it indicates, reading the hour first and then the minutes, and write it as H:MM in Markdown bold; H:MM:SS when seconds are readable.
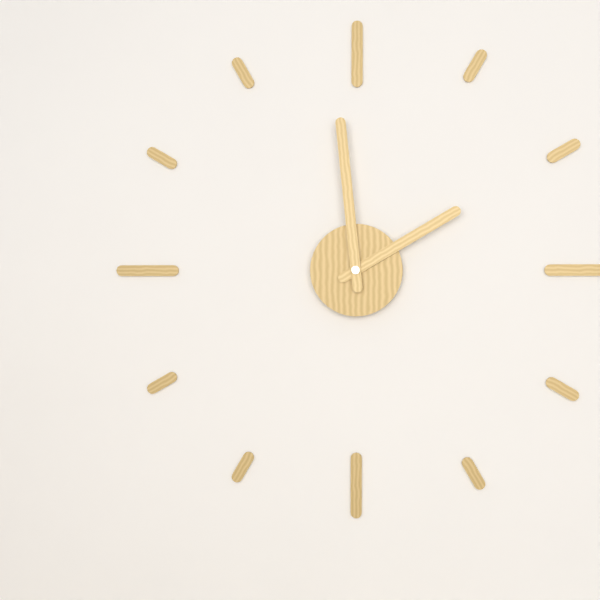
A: **1:59**
